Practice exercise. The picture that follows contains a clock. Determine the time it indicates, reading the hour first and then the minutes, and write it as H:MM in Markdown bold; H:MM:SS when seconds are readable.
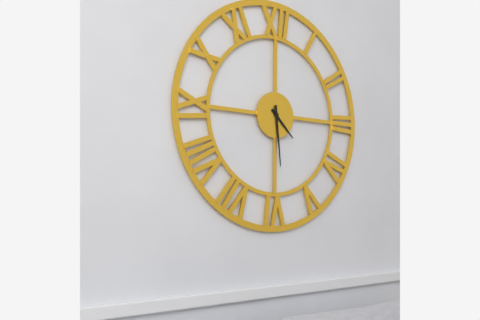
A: **4:29**
